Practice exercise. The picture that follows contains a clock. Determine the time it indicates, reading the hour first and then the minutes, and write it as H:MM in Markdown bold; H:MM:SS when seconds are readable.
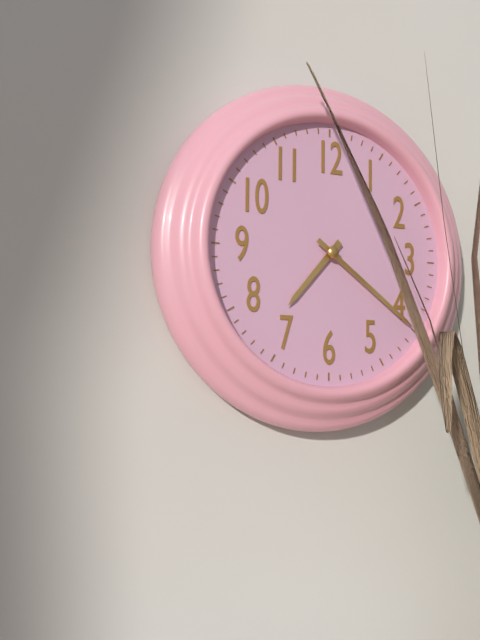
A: **7:21**
